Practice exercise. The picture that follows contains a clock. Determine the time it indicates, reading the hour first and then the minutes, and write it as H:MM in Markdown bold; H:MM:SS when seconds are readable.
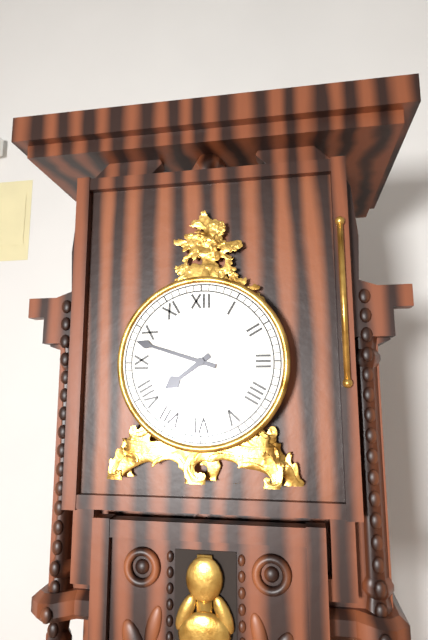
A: **7:48**
